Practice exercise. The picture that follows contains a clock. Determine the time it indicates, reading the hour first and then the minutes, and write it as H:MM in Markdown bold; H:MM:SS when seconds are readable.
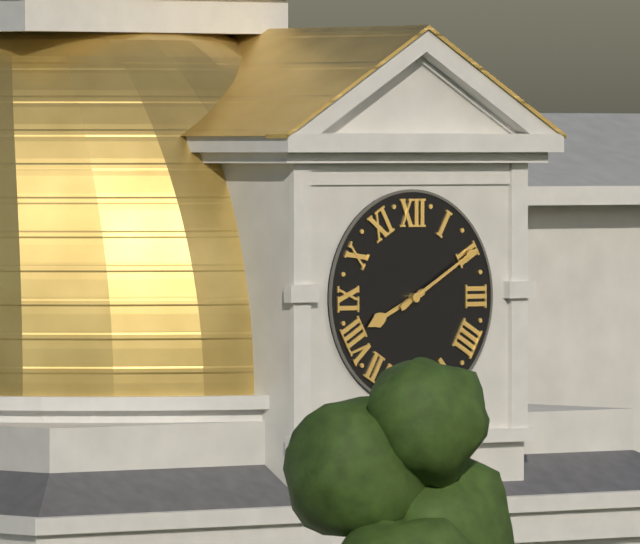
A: **8:10**
